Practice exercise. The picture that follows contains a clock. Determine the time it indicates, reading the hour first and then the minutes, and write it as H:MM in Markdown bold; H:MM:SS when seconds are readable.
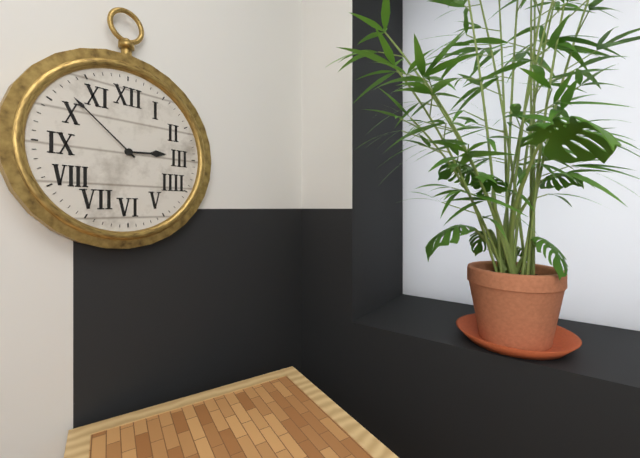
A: **2:52**
